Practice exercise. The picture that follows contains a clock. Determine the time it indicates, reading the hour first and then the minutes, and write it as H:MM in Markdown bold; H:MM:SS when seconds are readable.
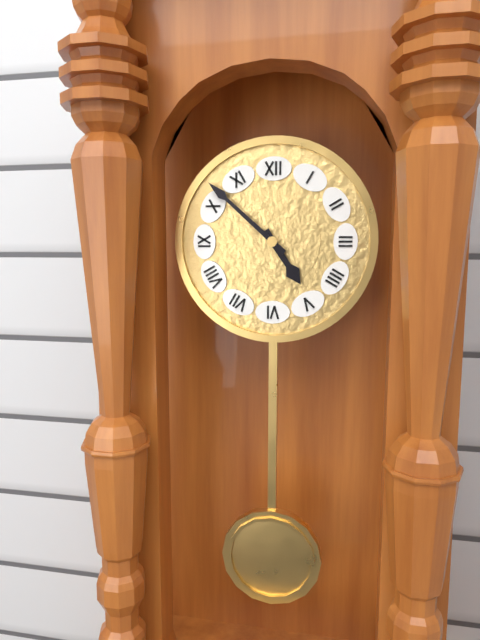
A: **4:52**
